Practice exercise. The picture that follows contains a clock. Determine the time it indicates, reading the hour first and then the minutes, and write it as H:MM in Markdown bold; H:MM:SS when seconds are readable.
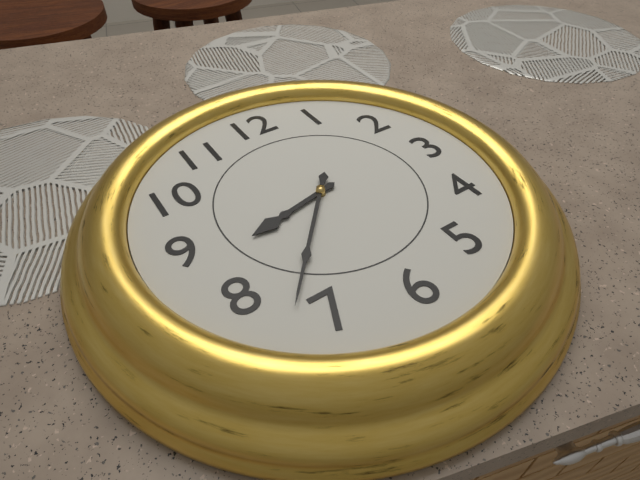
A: **8:37**
